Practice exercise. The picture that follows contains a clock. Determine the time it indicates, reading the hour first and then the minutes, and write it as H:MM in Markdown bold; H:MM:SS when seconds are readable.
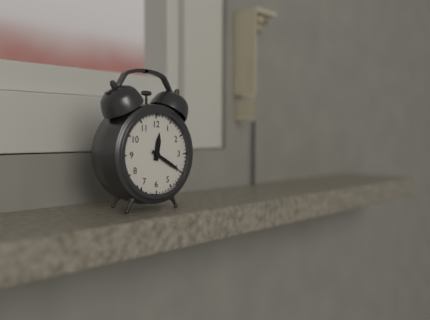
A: **12:20**
